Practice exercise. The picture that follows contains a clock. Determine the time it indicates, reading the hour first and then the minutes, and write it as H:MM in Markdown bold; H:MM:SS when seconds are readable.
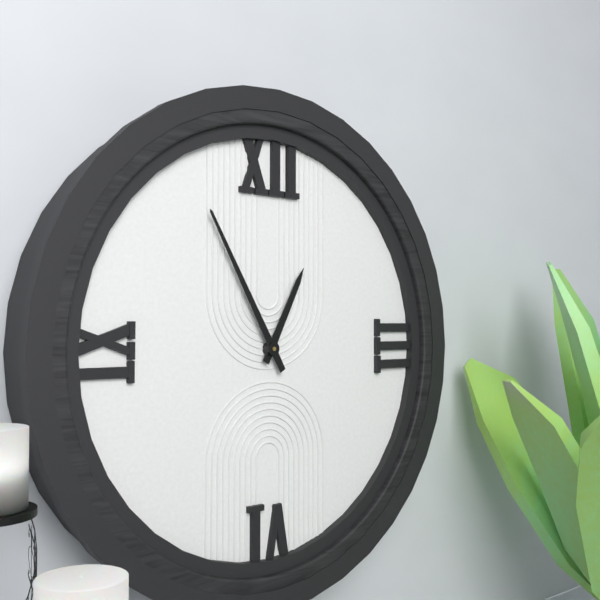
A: **12:55**
